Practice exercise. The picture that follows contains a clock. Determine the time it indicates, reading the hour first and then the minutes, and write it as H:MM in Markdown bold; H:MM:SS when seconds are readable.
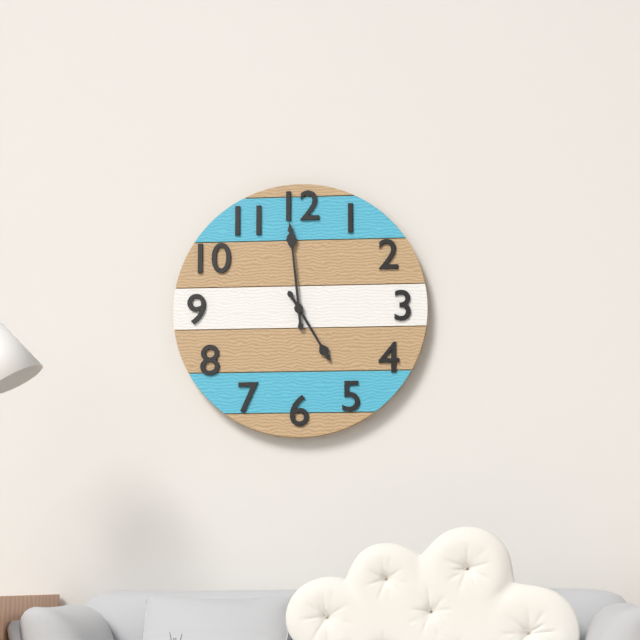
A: **4:59**
